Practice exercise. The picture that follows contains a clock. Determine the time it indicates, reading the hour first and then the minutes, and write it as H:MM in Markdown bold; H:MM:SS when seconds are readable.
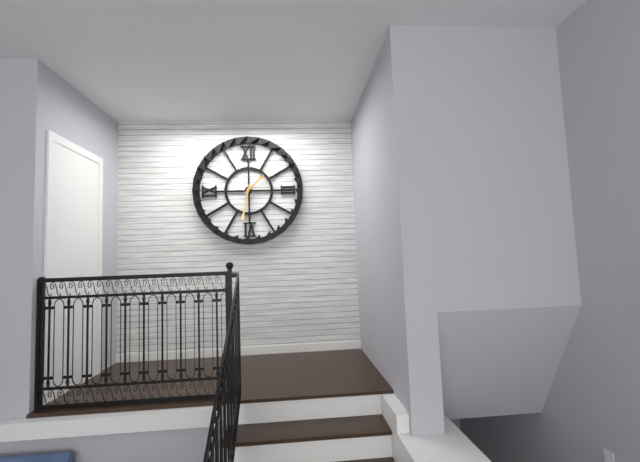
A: **1:32**
